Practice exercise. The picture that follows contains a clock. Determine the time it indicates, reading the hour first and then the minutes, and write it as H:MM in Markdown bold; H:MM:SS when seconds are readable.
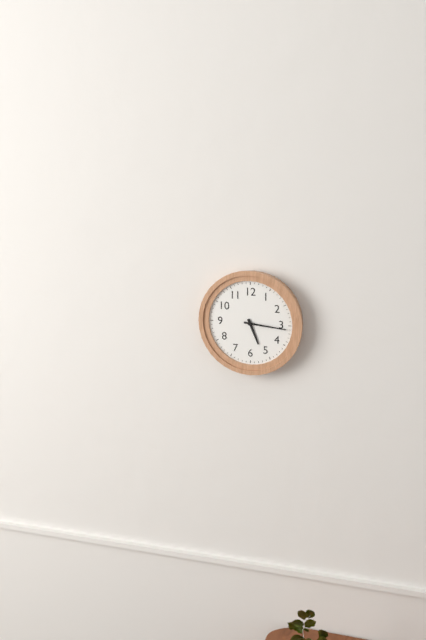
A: **5:16**
